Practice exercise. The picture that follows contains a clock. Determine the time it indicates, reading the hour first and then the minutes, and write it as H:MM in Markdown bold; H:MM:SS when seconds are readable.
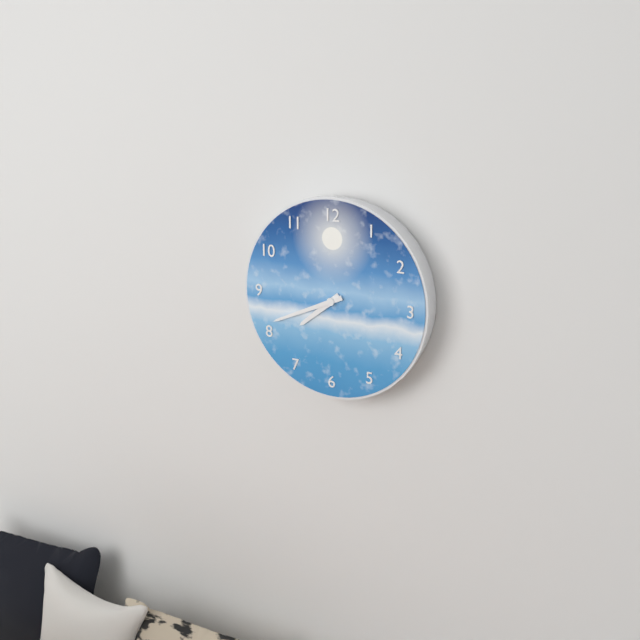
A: **7:41**
